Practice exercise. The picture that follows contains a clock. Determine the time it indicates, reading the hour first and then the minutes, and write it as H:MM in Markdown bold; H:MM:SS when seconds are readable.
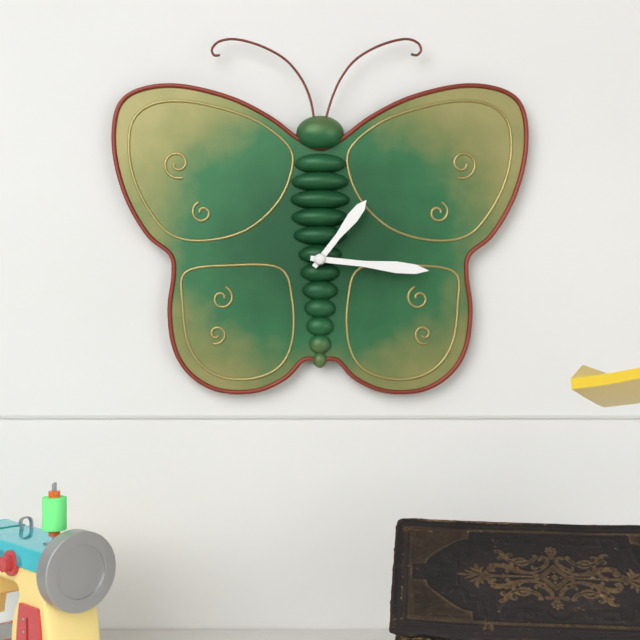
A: **1:16**
